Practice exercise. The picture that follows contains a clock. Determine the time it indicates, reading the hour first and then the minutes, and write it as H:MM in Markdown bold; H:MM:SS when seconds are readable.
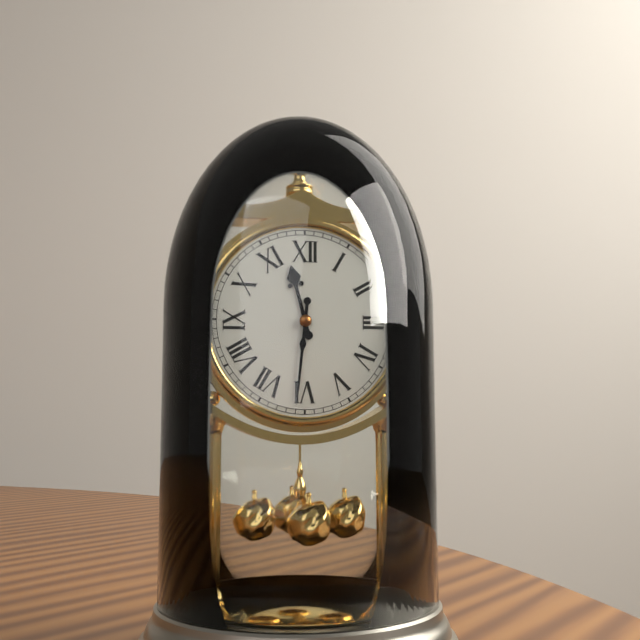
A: **11:31**
